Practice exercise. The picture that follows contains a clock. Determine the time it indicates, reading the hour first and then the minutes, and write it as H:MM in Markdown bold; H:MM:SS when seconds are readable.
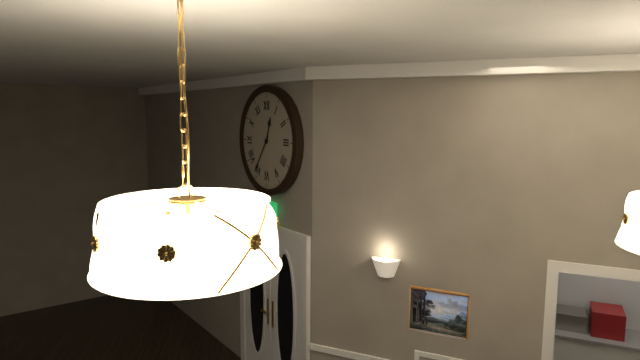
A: **12:36**
